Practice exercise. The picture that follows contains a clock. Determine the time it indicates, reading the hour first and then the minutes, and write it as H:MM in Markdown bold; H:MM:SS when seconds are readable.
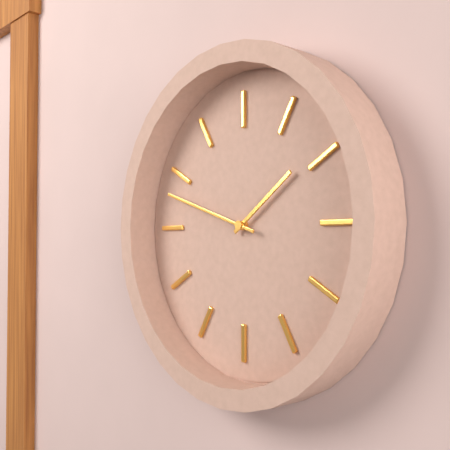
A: **1:48**
